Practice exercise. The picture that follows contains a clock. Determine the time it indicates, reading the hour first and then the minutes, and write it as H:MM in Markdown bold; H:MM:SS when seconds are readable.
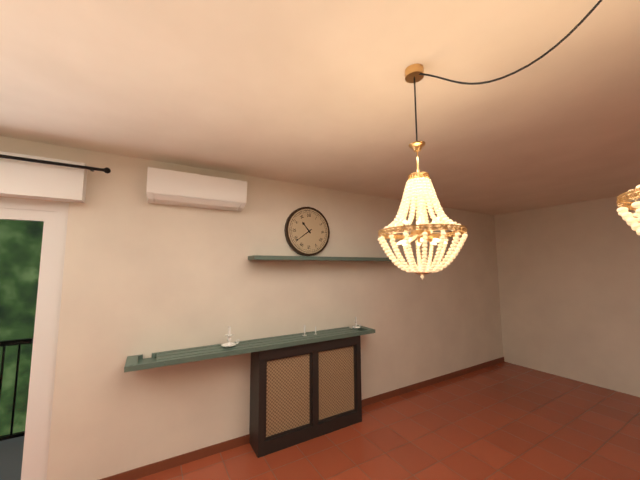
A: **10:39**
